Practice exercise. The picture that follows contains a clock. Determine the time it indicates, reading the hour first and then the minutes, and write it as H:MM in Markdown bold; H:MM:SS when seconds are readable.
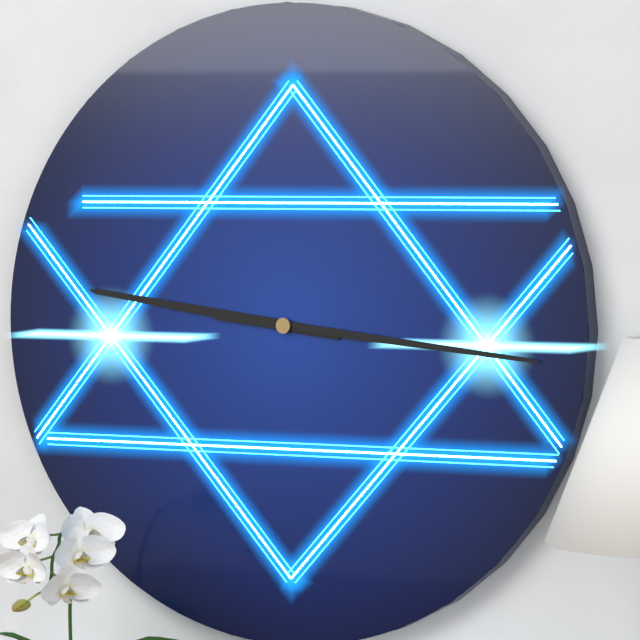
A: **9:16**
